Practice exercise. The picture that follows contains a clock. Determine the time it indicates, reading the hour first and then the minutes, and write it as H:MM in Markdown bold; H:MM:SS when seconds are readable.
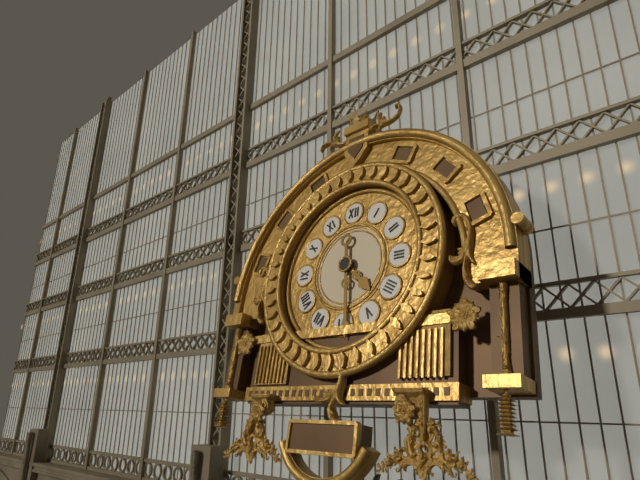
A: **4:29**
